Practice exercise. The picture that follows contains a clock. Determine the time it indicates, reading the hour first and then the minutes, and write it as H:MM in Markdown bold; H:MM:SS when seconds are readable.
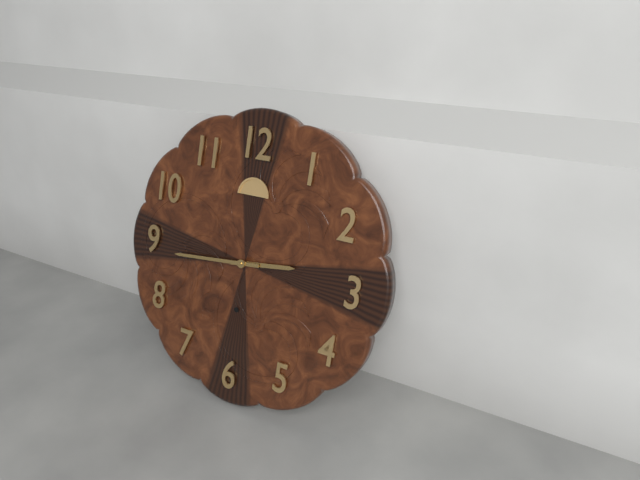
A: **2:44**
